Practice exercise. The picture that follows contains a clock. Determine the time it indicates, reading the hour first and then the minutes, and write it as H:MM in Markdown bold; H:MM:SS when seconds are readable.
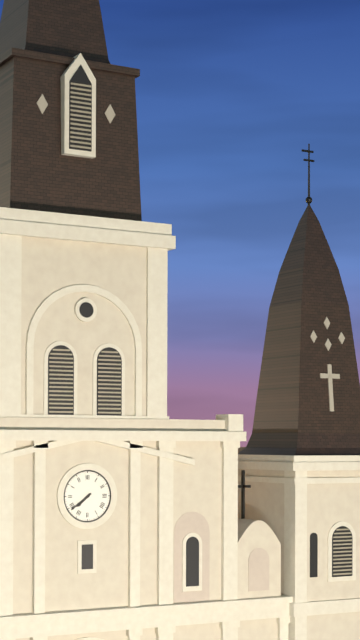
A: **7:39**
